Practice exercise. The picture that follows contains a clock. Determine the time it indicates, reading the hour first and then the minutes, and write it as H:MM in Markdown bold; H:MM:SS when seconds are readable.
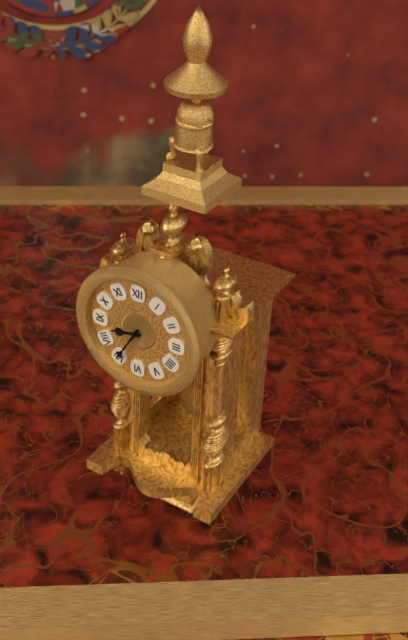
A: **8:35**
